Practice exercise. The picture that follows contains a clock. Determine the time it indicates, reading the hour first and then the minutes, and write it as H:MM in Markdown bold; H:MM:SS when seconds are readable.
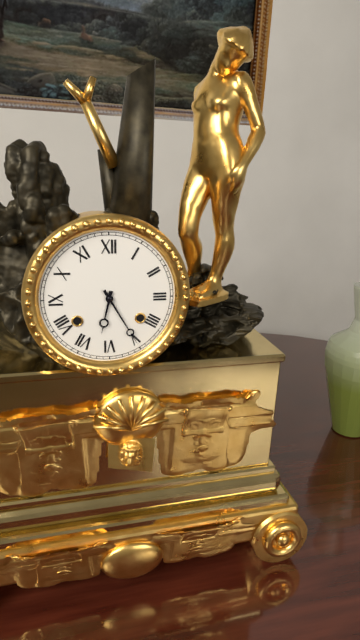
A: **6:25**
